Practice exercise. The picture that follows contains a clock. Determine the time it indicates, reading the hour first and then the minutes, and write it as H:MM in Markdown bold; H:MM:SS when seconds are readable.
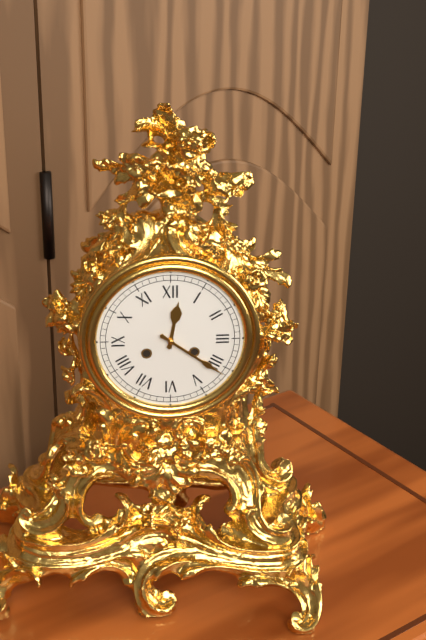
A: **12:21**
